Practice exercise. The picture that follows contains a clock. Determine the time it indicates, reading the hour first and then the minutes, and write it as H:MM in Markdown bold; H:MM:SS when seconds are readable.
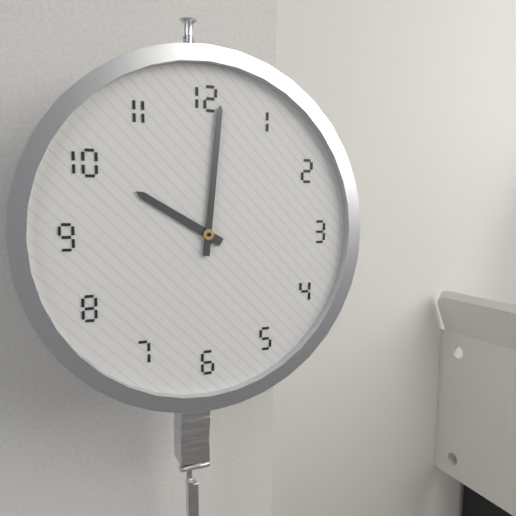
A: **10:01**
